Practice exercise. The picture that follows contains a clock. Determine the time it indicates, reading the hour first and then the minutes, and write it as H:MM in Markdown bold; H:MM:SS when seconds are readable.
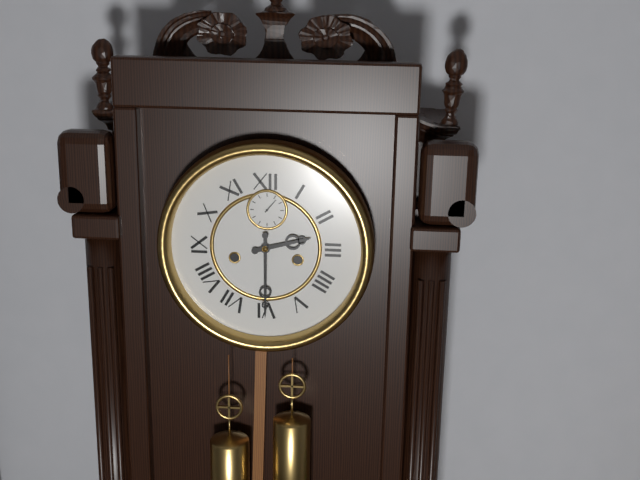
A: **2:30**
